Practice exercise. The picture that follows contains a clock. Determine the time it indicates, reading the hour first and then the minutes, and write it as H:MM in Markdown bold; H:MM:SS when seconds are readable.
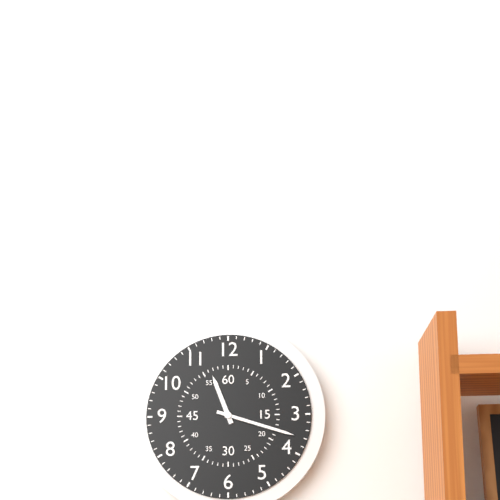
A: **11:18**
